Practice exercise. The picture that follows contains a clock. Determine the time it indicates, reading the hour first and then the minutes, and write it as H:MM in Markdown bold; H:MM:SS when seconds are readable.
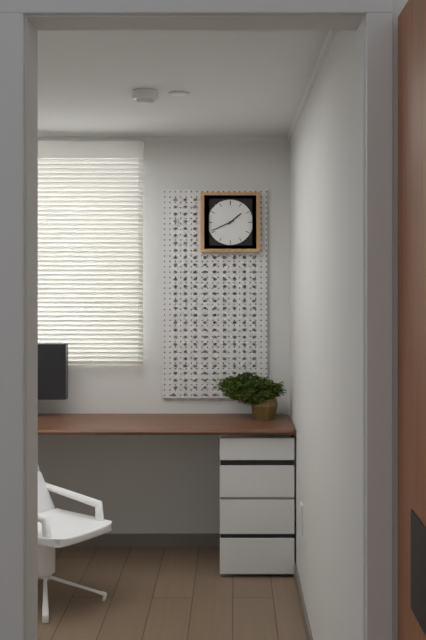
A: **1:41**
